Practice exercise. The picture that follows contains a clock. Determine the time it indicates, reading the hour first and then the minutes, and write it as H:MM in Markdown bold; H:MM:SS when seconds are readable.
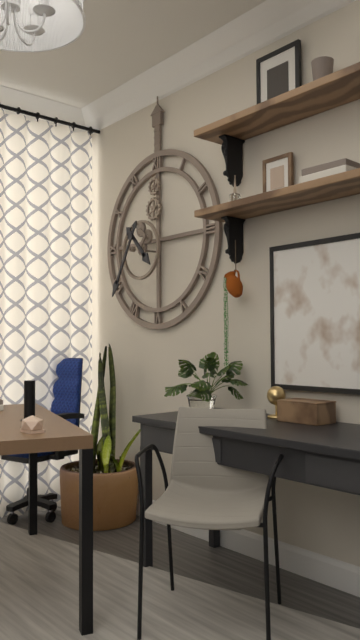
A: **4:35**
